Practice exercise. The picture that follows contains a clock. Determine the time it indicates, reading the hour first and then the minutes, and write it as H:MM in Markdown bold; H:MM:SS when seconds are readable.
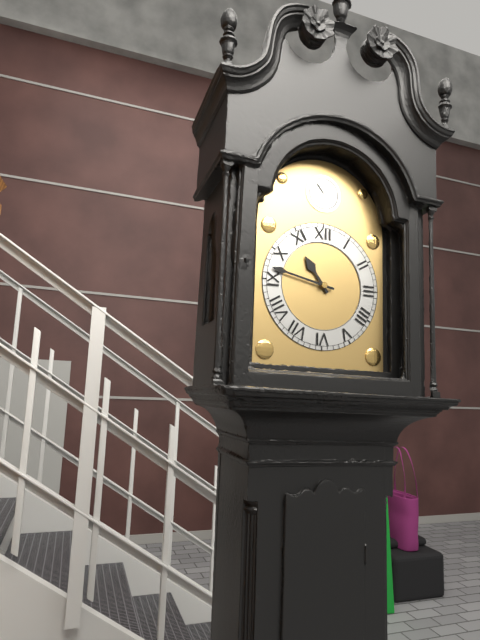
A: **10:47**
